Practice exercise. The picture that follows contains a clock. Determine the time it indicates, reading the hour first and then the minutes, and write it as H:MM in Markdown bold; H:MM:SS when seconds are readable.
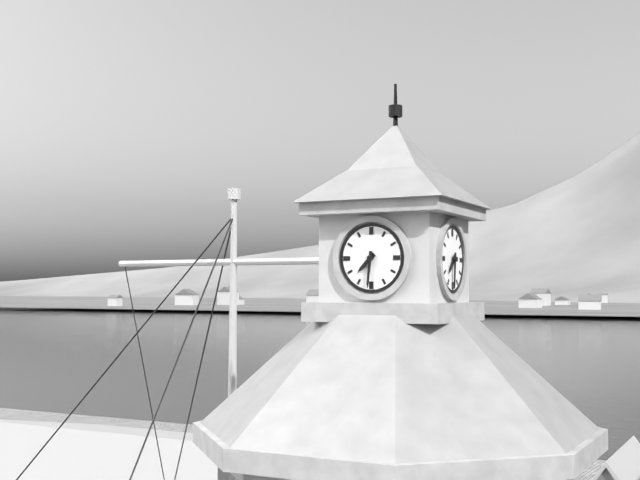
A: **7:31**
